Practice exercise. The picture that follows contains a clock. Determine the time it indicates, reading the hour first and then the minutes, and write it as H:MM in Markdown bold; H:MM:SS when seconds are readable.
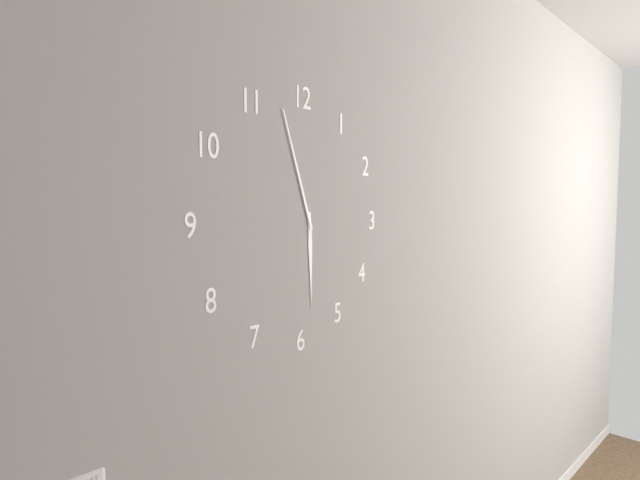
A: **5:57**
